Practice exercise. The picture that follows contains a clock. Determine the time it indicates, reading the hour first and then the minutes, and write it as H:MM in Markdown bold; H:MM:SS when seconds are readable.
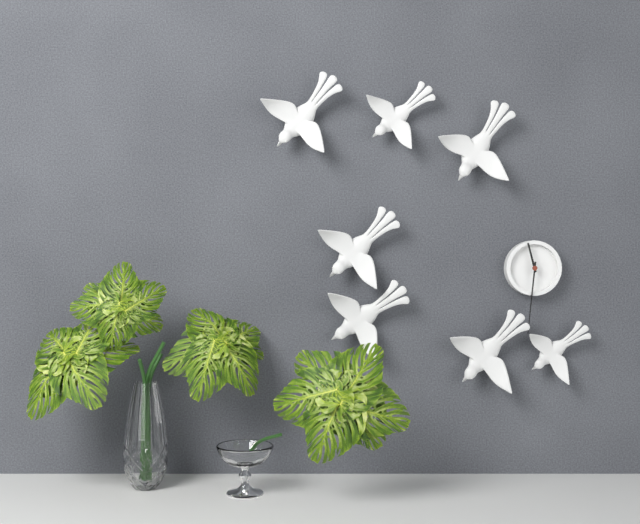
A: **11:31**
